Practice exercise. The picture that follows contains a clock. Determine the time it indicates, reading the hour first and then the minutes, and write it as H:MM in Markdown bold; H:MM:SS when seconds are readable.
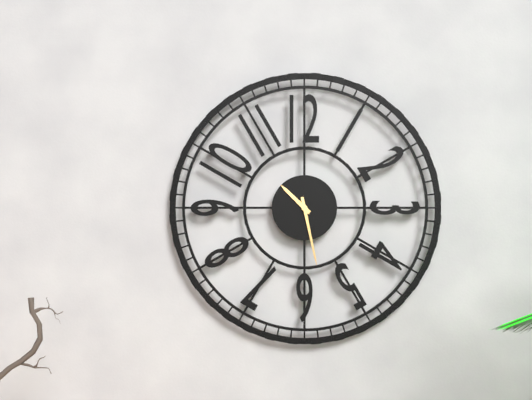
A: **10:28**
